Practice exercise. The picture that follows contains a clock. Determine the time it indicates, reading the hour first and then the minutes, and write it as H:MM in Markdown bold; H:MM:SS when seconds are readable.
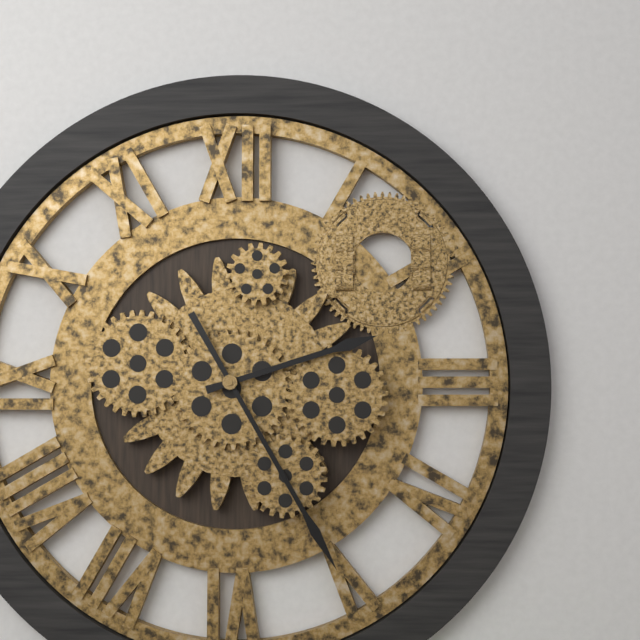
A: **2:25**
